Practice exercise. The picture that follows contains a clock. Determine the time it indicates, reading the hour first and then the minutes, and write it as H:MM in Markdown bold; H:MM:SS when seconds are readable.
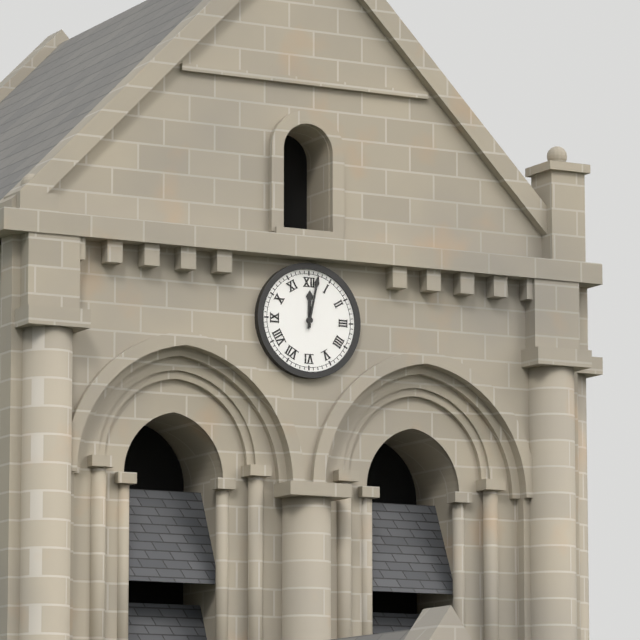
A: **12:02**
